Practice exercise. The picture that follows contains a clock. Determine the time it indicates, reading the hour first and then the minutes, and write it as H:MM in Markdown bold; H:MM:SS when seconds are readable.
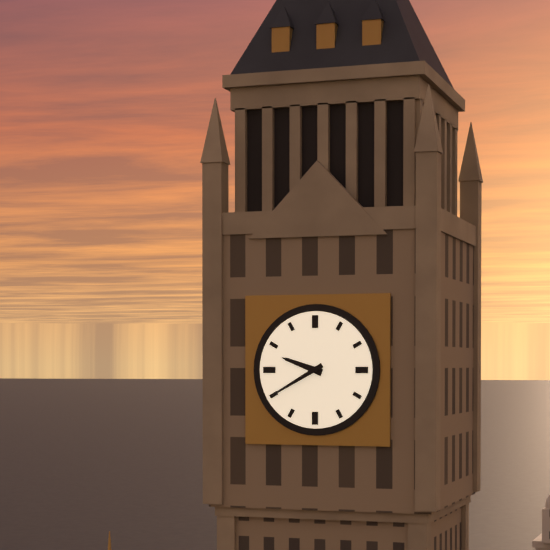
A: **9:40**
